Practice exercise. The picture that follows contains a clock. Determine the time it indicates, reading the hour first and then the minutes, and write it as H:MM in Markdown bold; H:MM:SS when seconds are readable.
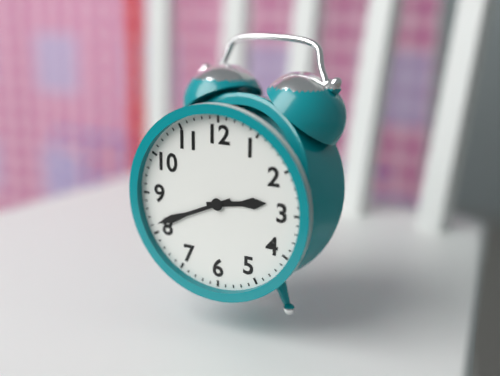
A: **2:41**
